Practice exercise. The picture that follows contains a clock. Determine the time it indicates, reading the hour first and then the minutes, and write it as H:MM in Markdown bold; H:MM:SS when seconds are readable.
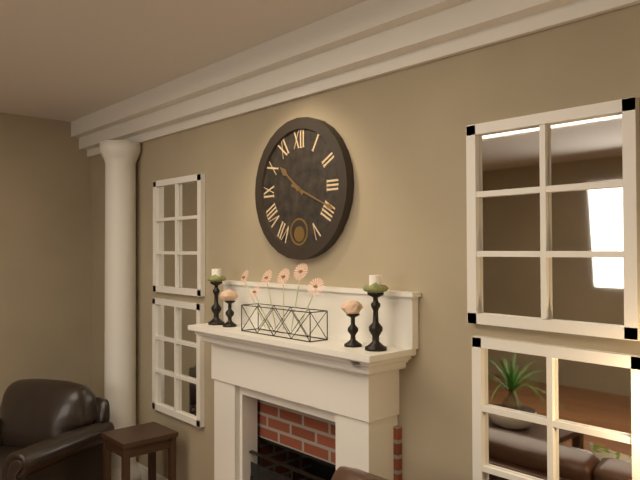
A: **10:19**
